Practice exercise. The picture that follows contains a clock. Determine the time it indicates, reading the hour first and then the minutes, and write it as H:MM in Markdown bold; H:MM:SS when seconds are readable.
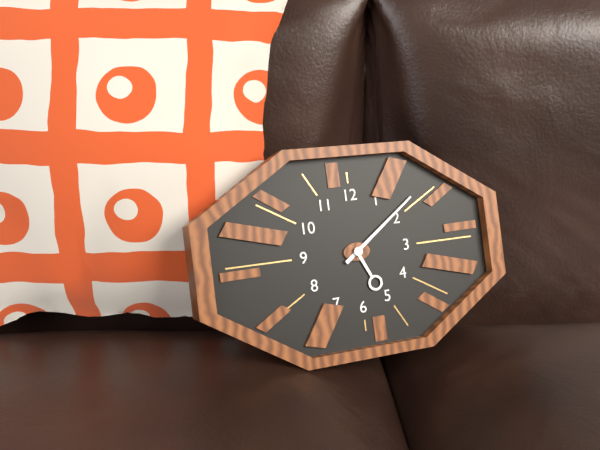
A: **5:09**
